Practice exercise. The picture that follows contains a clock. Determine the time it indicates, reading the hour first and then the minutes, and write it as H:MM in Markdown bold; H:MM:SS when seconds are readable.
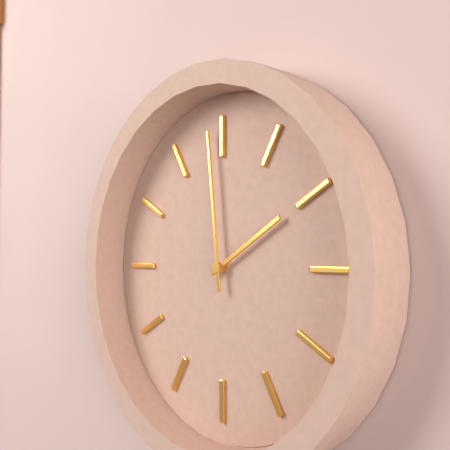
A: **1:59**
